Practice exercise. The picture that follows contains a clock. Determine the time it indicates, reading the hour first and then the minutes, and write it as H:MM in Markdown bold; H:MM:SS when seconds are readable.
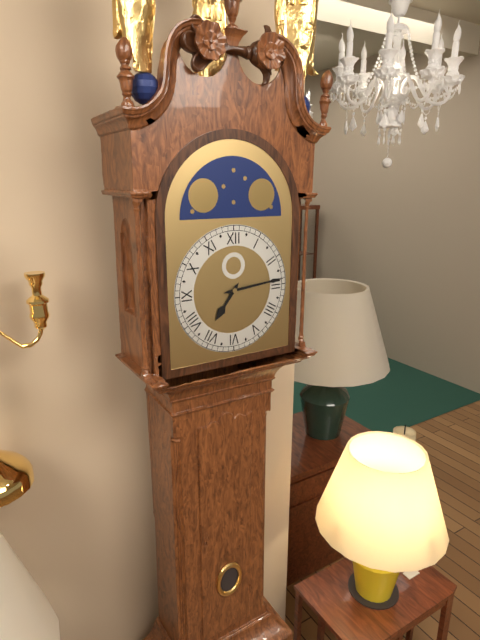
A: **7:14**
